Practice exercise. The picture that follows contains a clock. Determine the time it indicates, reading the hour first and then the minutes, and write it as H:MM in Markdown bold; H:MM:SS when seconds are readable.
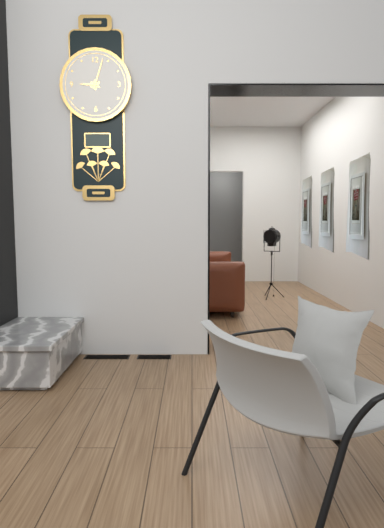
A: **9:03**
